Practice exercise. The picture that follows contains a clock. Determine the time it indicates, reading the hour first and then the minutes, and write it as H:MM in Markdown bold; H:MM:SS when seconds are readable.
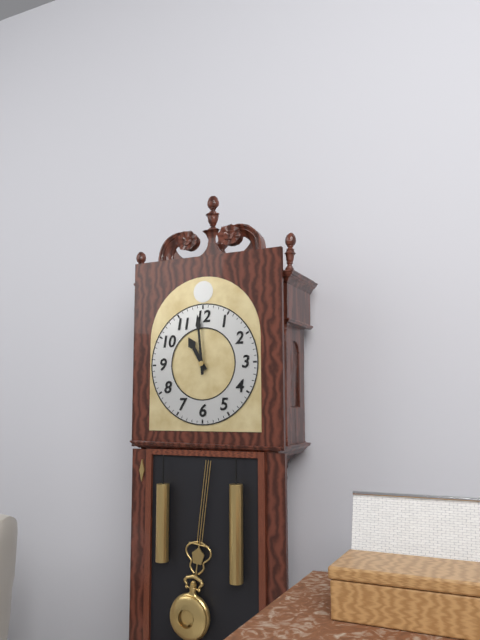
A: **10:59**
